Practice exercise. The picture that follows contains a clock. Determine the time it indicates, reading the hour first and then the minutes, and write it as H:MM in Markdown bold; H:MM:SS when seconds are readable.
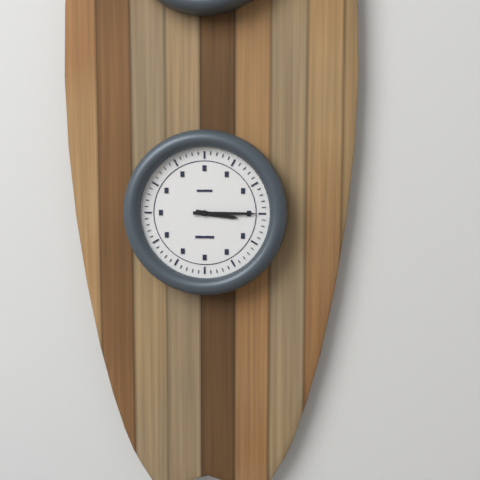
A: **3:15**
